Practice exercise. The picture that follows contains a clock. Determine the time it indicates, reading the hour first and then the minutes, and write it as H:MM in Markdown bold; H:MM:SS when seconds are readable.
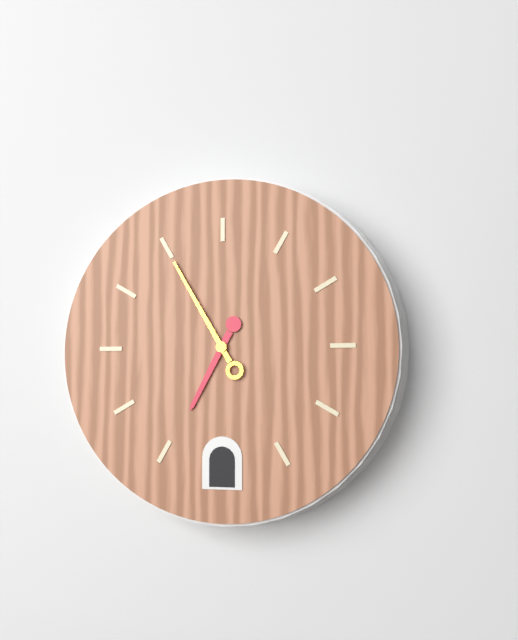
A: **6:55**
